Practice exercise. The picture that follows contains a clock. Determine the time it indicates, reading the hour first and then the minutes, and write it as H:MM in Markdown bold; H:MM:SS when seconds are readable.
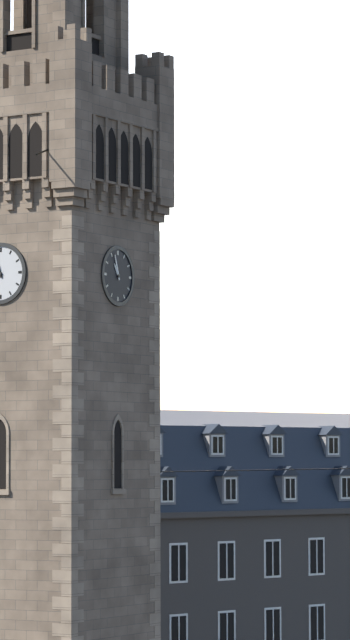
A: **10:57**
